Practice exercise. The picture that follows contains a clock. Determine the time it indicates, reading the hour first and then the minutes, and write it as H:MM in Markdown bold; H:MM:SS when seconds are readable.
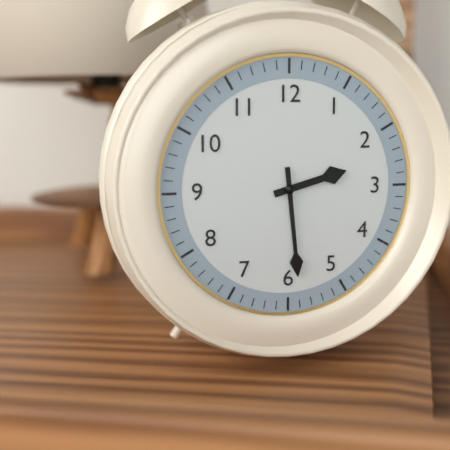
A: **2:29**
